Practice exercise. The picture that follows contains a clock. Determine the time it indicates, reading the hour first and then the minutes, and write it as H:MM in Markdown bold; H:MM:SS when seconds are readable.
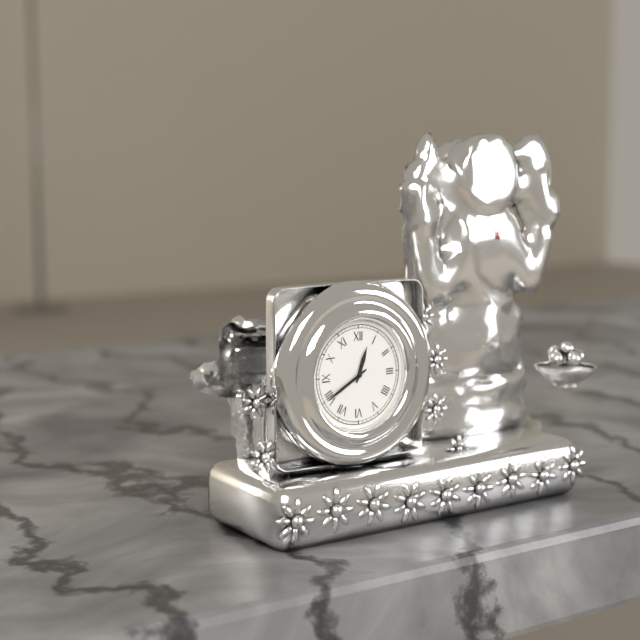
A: **12:40**
